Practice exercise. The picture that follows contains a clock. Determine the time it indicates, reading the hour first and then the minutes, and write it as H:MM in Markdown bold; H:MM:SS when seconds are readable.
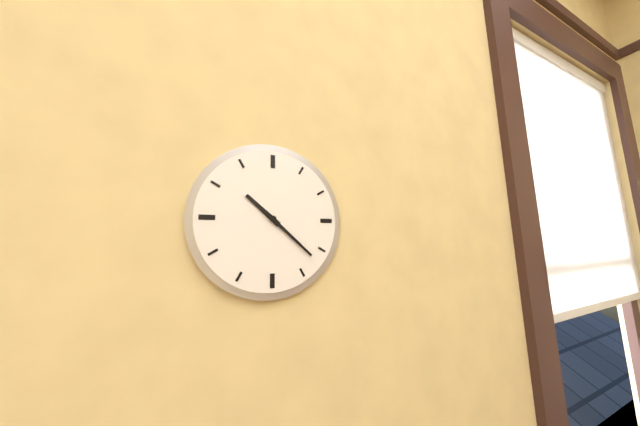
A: **10:22**
